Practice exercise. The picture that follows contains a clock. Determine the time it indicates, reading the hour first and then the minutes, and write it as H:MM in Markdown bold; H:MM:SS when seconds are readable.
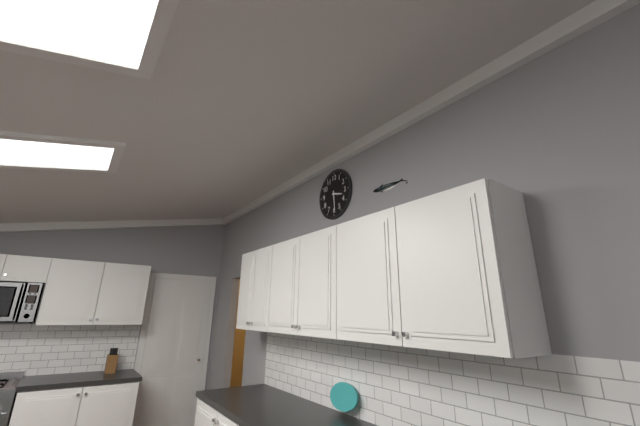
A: **3:29**
